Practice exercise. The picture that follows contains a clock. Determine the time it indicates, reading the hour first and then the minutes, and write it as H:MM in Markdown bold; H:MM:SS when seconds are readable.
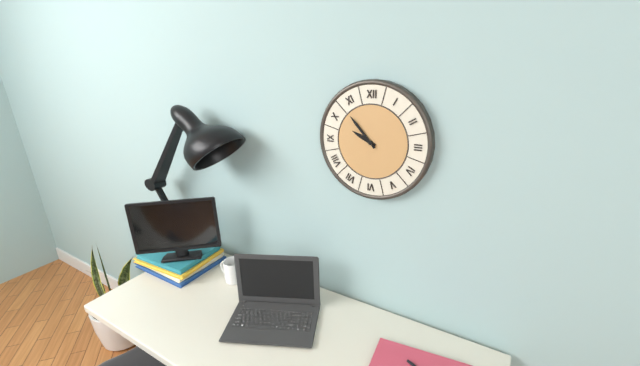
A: **9:53**
